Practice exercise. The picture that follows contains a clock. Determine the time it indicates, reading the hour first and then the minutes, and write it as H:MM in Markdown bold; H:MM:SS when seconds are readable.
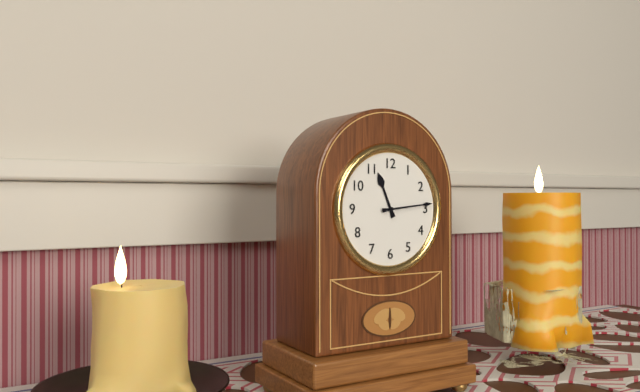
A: **11:14**
